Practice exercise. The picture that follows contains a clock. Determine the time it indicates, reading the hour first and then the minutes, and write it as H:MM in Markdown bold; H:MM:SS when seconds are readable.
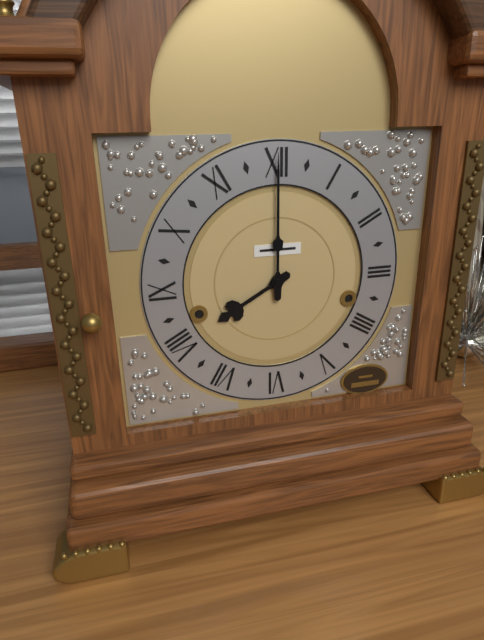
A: **8:00**
